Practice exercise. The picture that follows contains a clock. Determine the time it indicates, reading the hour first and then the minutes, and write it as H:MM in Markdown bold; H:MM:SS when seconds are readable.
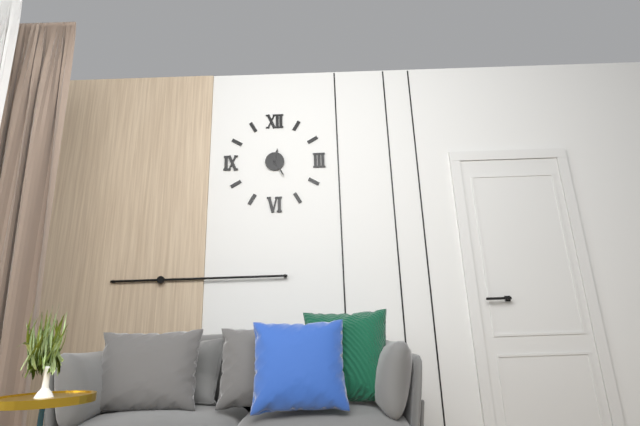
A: **12:25**
